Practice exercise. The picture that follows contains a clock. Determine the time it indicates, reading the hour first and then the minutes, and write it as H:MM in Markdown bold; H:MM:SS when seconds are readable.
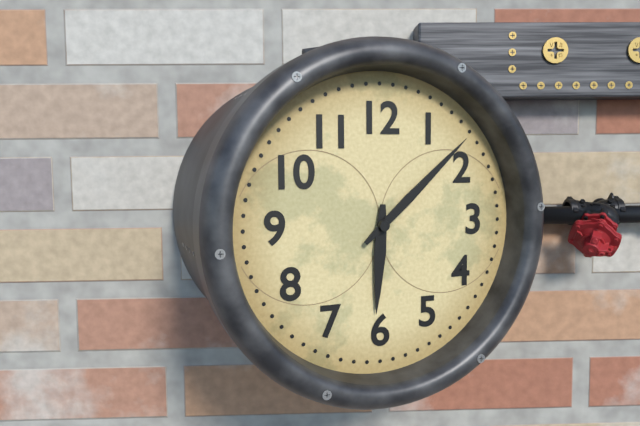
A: **6:08**
